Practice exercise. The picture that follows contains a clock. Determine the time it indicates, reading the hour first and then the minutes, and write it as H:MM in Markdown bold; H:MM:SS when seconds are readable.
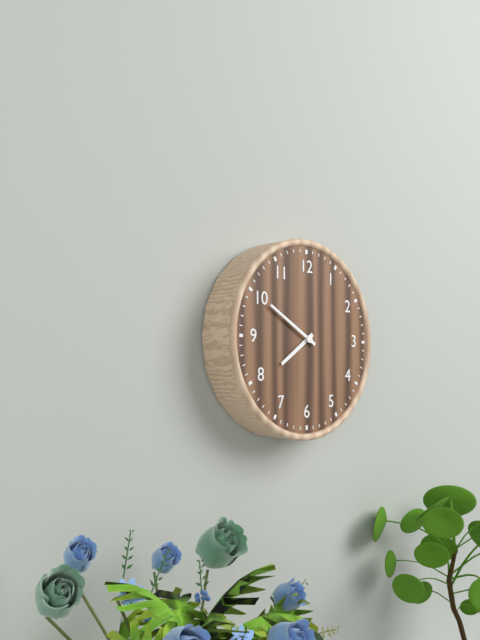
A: **7:50**
